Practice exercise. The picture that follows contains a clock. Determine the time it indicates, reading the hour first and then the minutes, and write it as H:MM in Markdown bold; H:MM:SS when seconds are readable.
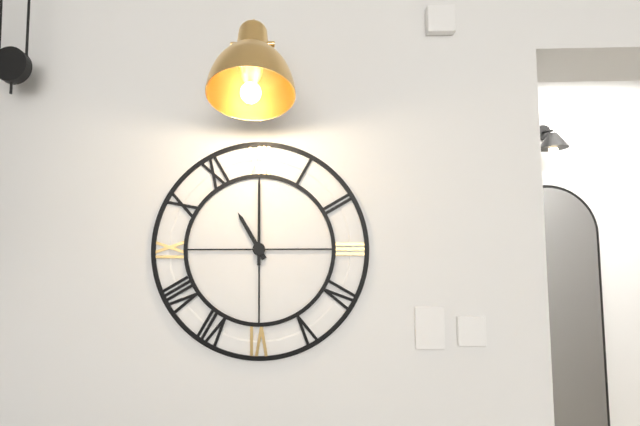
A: **11:00**
